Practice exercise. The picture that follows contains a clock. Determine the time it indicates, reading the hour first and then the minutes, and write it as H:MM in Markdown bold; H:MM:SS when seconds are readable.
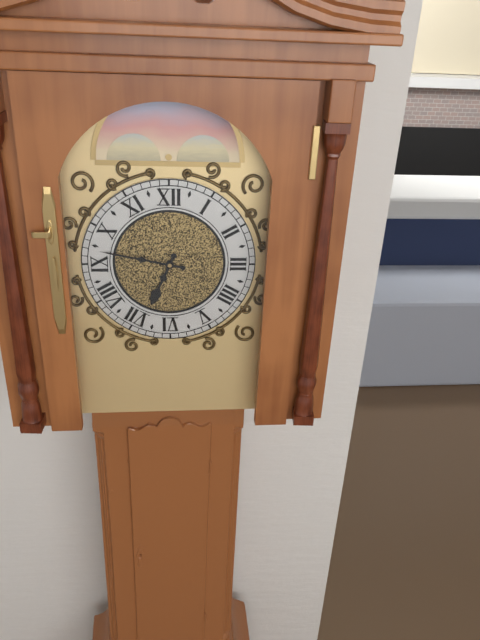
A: **6:47**
